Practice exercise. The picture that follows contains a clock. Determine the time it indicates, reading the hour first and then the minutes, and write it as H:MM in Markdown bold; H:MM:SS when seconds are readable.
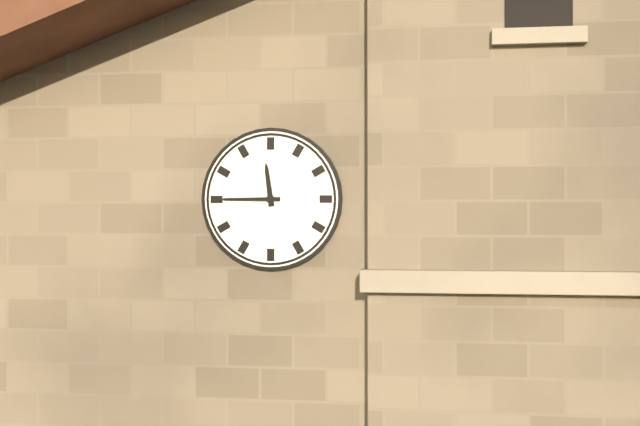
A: **11:45**
